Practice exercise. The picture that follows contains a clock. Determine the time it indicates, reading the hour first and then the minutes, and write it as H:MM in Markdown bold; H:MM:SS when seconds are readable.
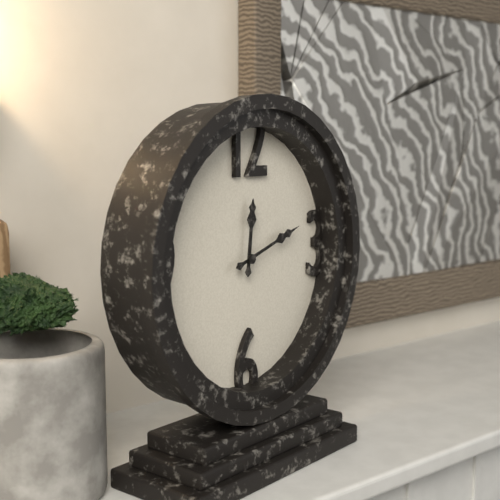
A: **12:12**
